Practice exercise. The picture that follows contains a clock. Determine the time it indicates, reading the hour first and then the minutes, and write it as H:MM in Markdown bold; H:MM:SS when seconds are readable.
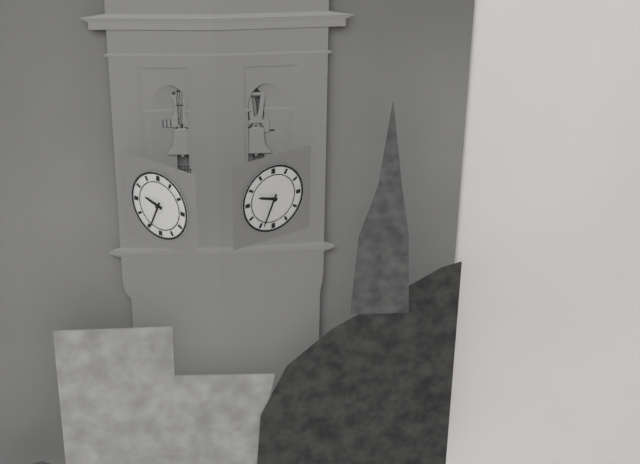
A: **9:34**
